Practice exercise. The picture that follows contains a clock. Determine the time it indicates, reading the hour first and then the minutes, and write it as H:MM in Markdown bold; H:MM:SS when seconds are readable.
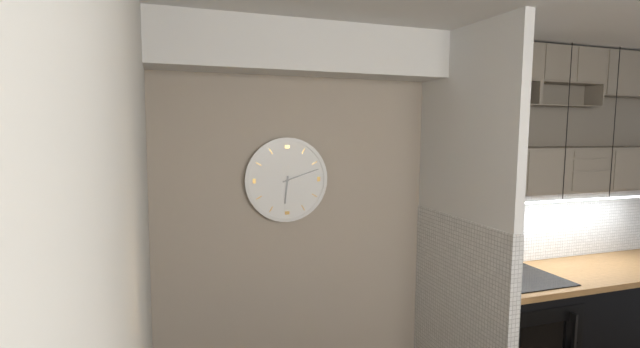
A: **6:12**
